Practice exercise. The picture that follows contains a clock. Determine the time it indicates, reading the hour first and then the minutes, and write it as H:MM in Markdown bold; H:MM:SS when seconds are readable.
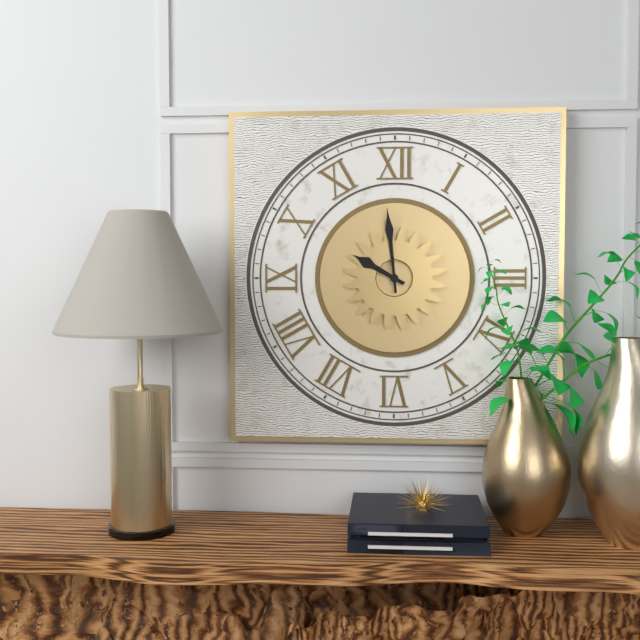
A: **9:59**
